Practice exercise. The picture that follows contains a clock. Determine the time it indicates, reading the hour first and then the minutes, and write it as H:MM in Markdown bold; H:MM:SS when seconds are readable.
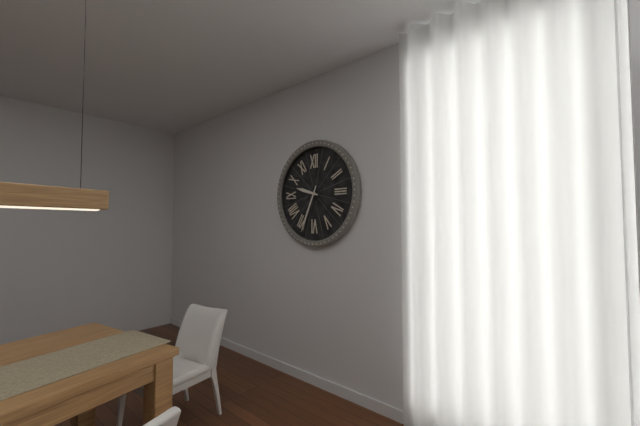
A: **9:34**
